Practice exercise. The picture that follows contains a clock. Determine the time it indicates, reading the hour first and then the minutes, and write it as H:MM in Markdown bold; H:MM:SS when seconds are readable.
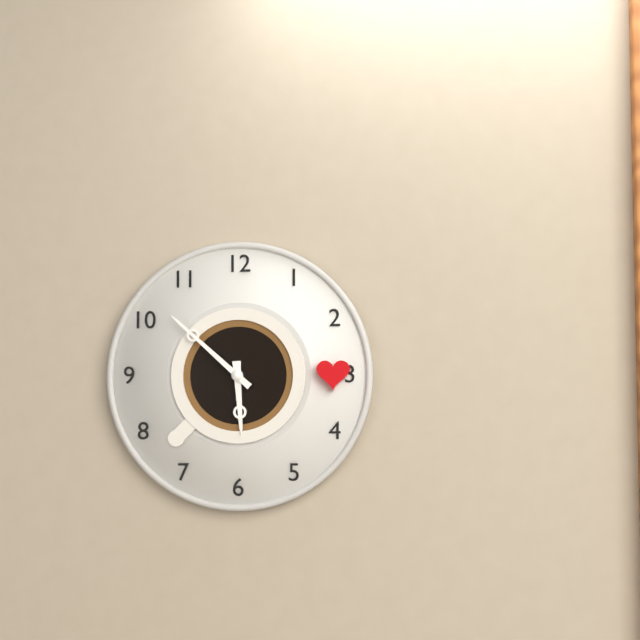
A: **5:52**
